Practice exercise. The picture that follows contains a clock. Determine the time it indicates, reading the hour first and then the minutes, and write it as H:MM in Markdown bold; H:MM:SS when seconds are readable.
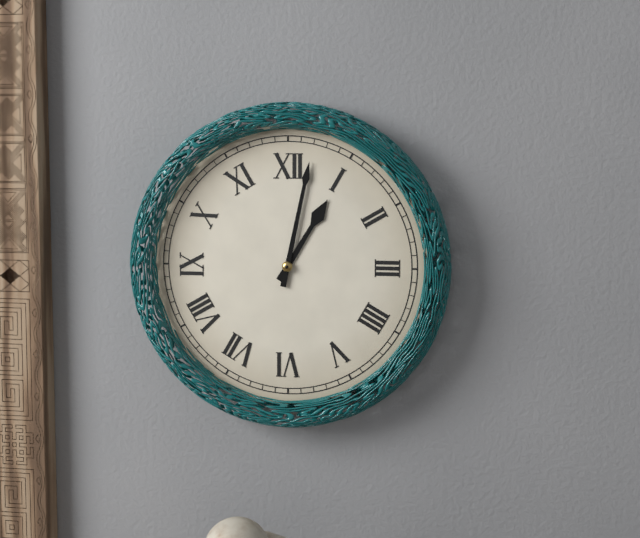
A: **1:02**
